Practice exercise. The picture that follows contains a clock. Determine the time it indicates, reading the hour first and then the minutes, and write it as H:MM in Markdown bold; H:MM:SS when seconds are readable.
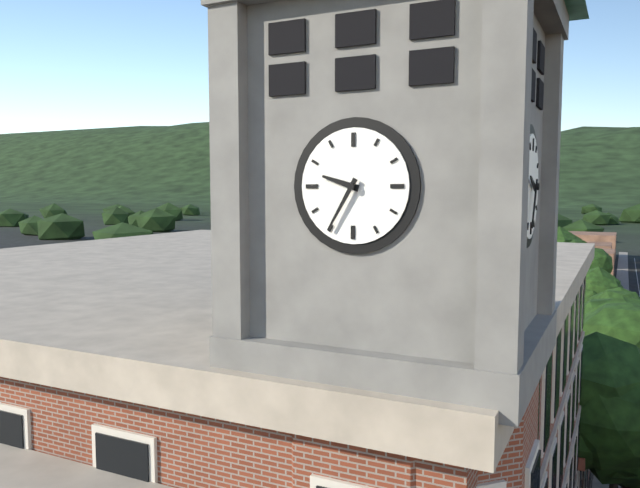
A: **9:35**
